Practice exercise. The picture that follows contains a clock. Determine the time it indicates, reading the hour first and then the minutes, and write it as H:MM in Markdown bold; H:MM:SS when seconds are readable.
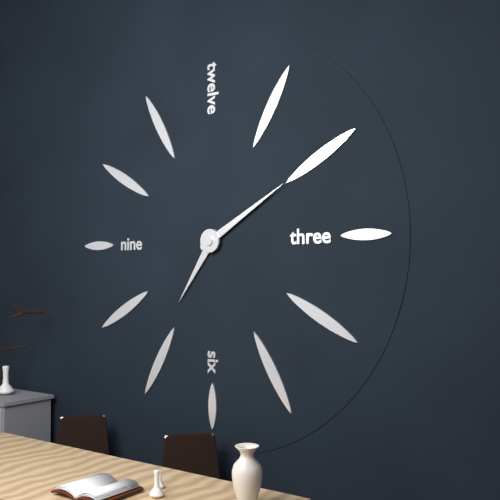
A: **7:10**
